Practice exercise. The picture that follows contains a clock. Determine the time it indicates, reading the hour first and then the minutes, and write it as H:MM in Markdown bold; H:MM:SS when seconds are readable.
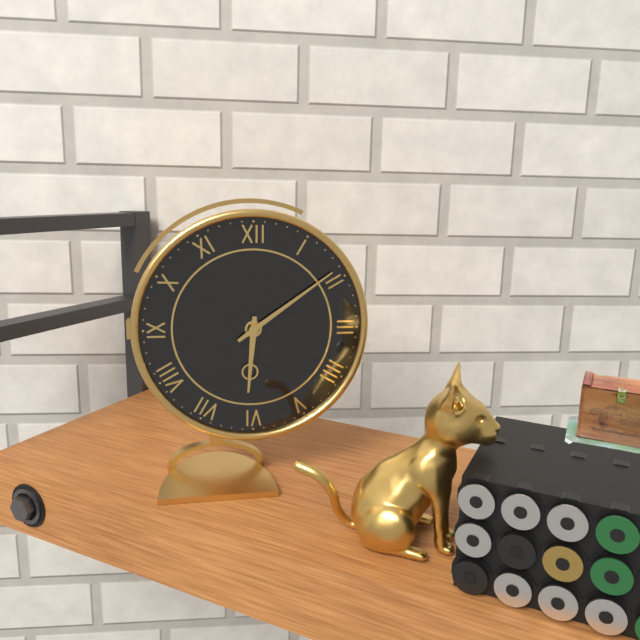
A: **6:09**
